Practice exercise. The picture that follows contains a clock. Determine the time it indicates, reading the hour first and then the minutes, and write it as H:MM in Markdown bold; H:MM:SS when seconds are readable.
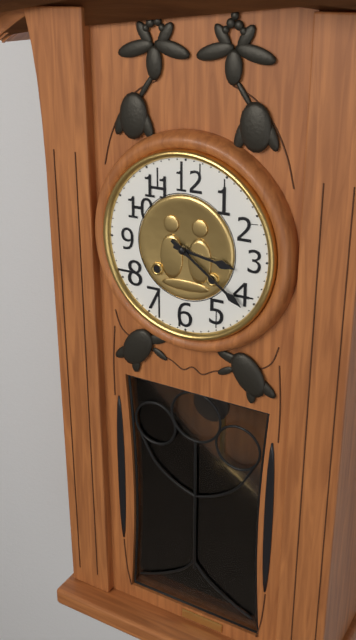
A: **3:21**
